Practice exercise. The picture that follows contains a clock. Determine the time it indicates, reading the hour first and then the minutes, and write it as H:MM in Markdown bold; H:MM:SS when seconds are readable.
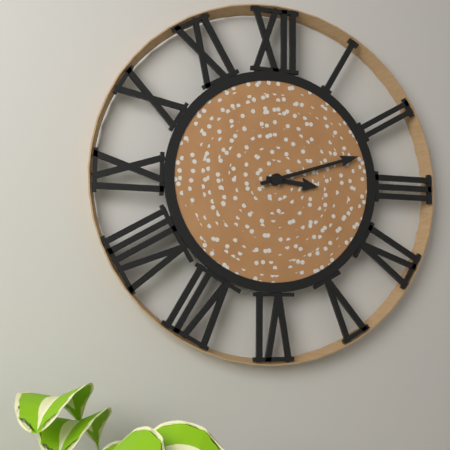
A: **3:12**
